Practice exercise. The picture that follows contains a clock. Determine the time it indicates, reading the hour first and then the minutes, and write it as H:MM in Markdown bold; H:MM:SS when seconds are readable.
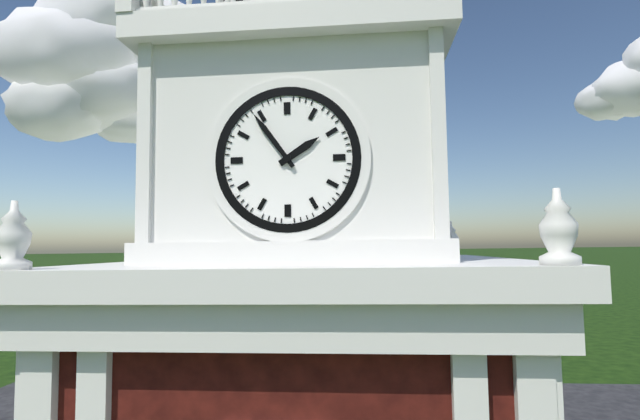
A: **1:54**
